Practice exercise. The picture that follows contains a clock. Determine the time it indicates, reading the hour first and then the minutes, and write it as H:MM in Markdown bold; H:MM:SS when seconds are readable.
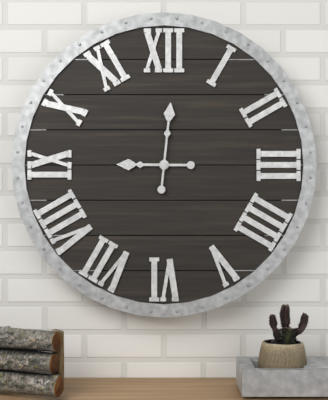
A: **9:01**
